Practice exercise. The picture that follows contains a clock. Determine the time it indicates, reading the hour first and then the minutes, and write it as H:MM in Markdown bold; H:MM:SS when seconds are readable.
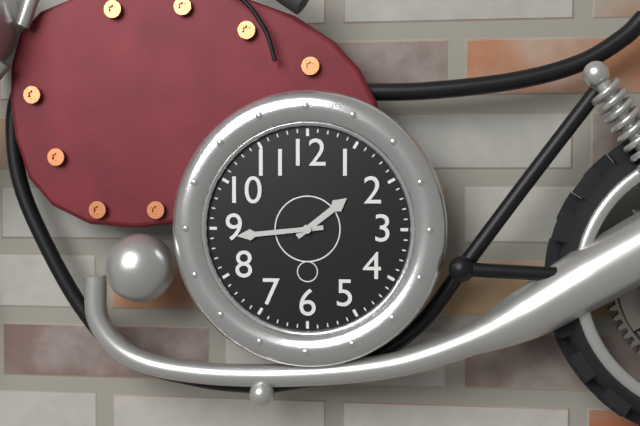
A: **1:44**
